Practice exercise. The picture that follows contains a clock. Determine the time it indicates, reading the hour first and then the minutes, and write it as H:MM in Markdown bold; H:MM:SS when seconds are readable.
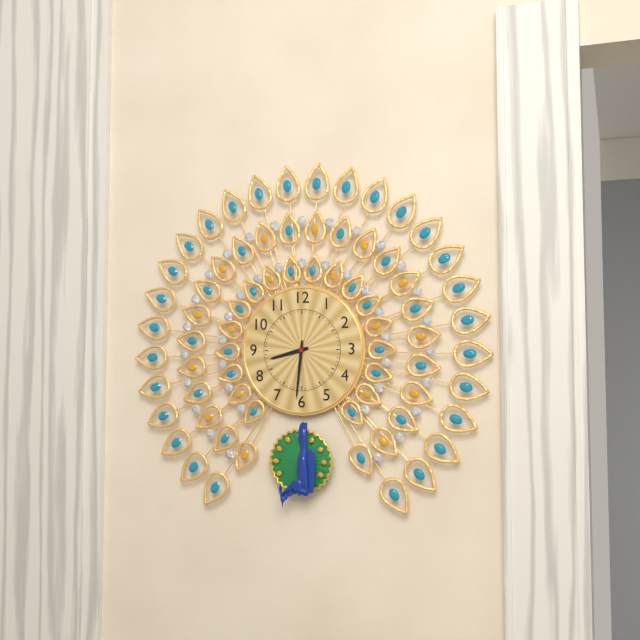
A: **8:31**
